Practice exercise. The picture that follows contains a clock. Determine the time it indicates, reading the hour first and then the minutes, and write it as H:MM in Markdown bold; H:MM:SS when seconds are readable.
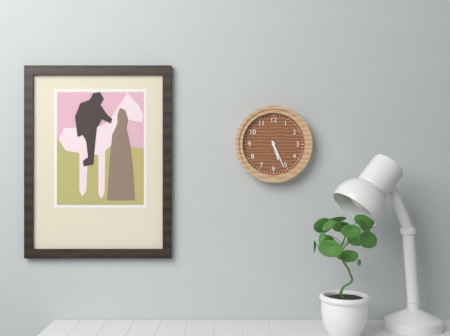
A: **5:26**
